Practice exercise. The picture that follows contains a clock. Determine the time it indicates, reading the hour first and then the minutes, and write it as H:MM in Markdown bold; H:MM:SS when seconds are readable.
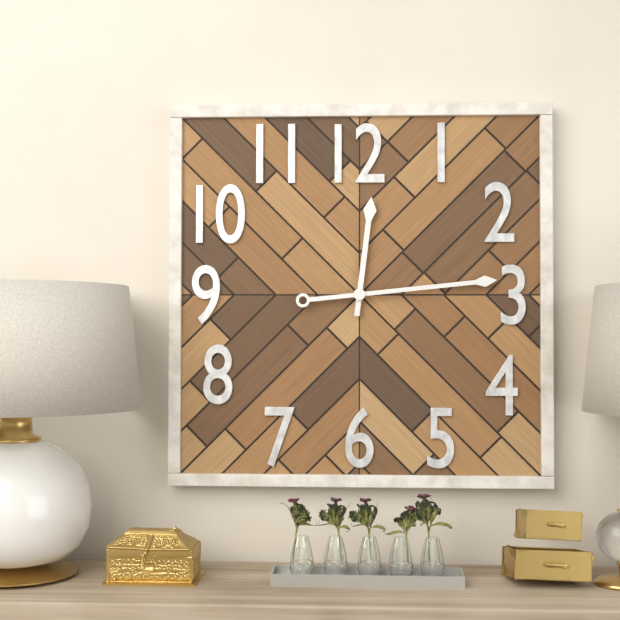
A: **12:14**
